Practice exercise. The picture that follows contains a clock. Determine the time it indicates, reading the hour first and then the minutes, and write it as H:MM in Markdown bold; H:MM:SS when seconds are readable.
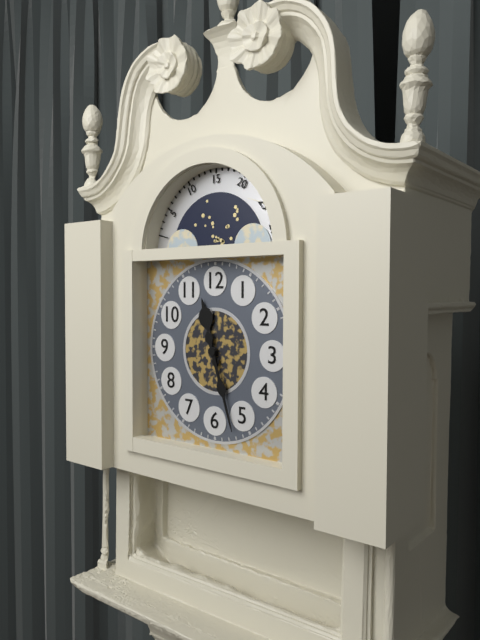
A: **11:27**
